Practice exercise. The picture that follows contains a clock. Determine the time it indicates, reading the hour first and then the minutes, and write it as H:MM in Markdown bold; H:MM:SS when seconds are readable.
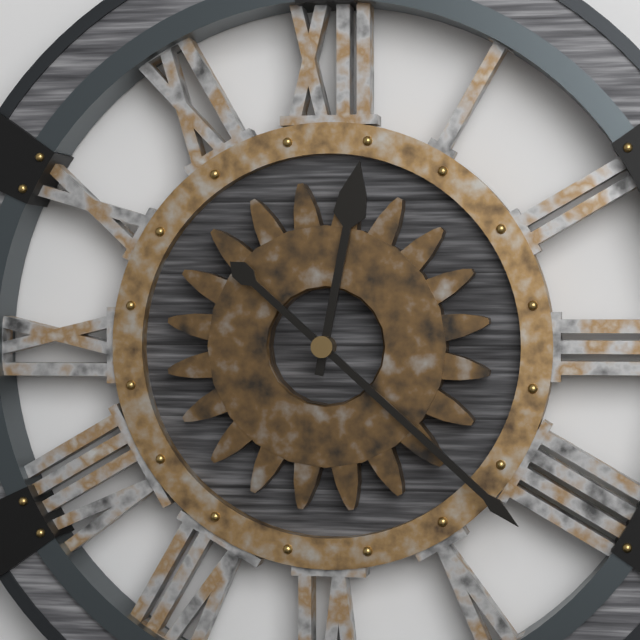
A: **12:22**
